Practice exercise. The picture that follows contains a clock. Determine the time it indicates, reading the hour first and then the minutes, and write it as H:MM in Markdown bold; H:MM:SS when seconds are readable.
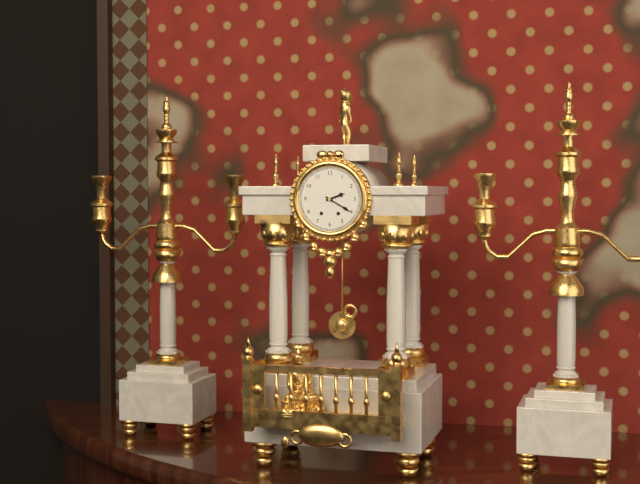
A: **2:20**
